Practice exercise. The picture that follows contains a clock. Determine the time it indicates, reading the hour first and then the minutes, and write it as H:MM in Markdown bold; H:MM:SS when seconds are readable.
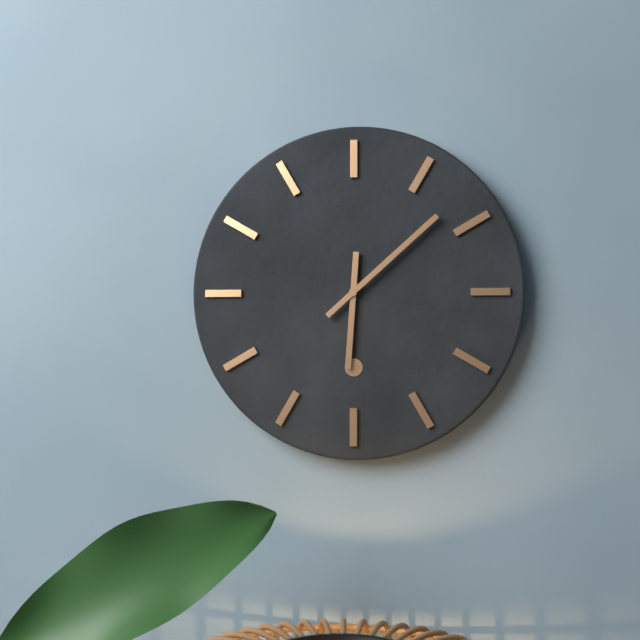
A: **6:08**
